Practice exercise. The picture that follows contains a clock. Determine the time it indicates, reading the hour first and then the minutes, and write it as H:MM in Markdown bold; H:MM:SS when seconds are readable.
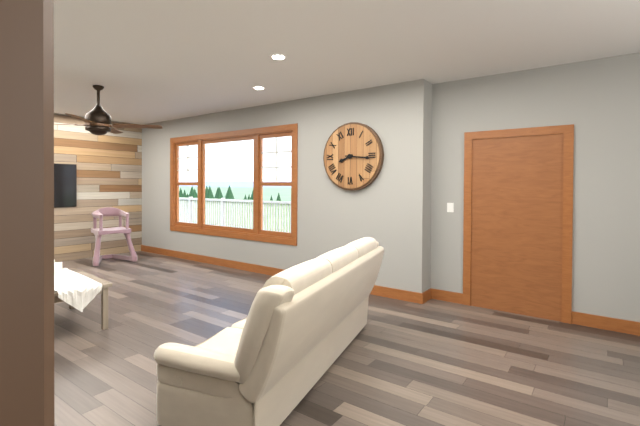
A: **8:16**
